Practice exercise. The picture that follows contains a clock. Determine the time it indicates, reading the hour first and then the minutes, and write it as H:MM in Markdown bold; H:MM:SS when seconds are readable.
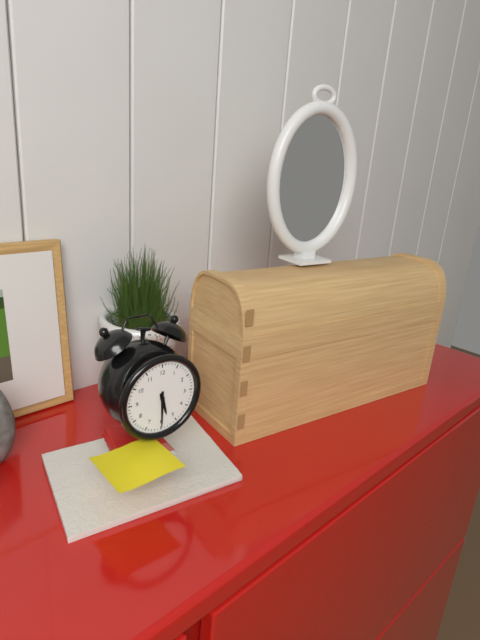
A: **5:30**
